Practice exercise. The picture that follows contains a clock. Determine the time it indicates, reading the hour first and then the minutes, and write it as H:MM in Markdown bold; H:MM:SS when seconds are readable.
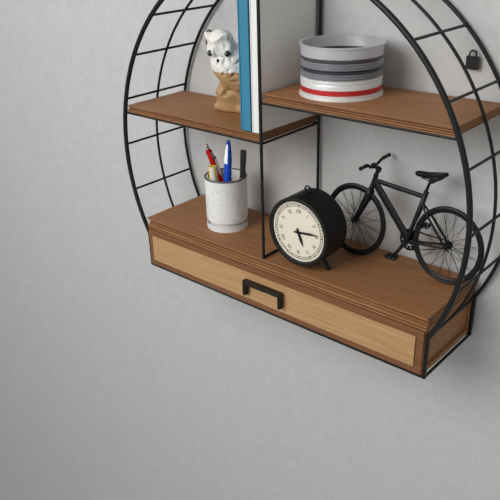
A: **5:14**
